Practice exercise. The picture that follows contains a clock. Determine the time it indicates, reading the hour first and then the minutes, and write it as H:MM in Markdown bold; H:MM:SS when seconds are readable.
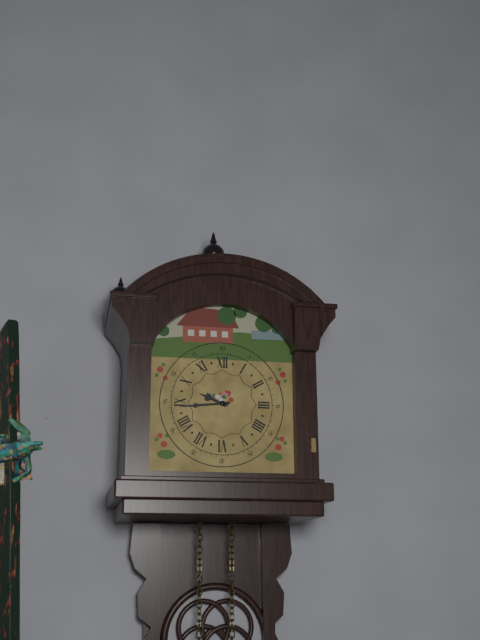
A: **9:44**
